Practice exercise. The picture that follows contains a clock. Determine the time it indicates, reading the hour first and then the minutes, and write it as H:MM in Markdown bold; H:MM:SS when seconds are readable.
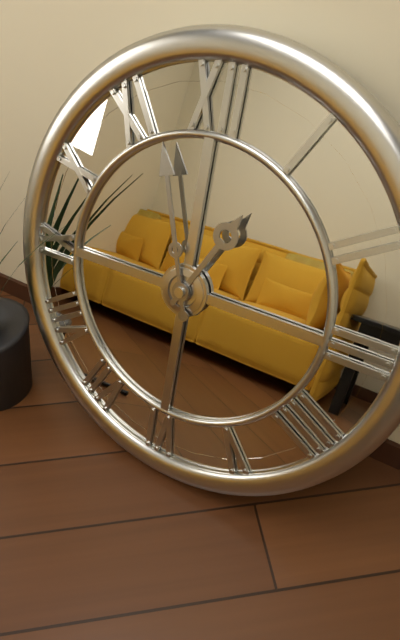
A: **12:57**
